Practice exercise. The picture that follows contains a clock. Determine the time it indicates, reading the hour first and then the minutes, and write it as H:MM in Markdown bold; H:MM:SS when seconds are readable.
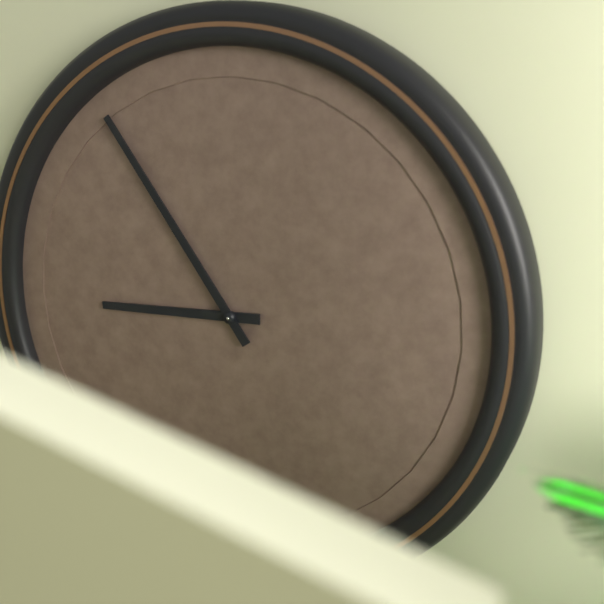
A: **8:54**
